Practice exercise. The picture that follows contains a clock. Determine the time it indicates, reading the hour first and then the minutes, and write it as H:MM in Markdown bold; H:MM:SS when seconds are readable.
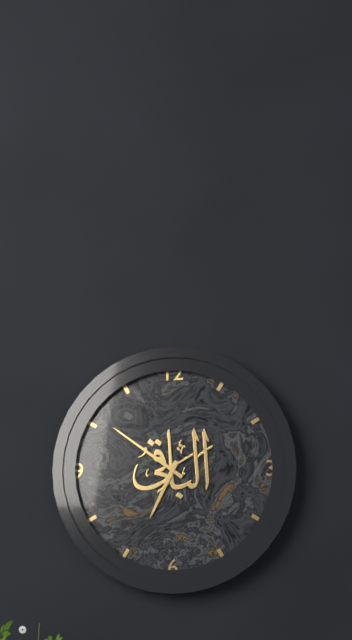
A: **6:51**
